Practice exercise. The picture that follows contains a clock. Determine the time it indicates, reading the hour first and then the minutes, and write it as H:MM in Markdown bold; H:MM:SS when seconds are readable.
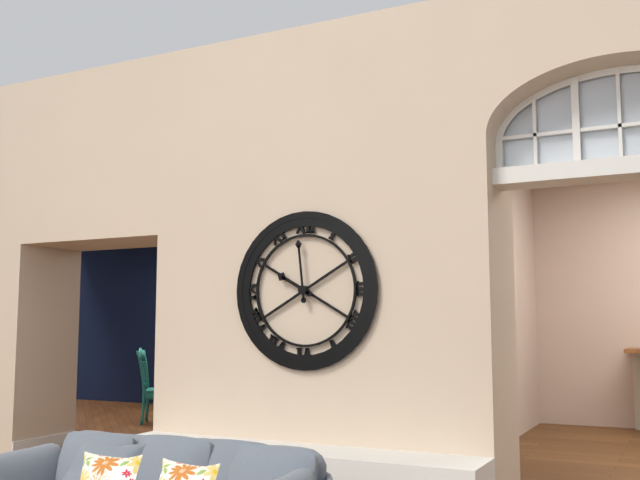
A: **9:59**
